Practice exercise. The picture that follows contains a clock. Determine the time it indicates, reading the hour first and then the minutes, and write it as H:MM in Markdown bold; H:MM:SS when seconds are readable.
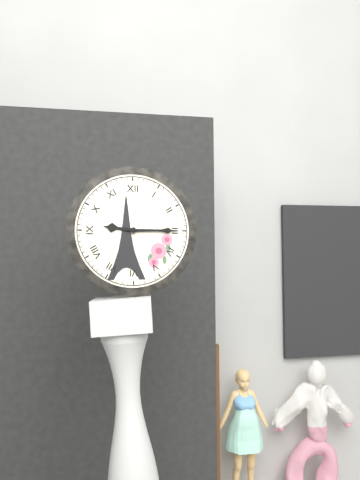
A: **9:15**
